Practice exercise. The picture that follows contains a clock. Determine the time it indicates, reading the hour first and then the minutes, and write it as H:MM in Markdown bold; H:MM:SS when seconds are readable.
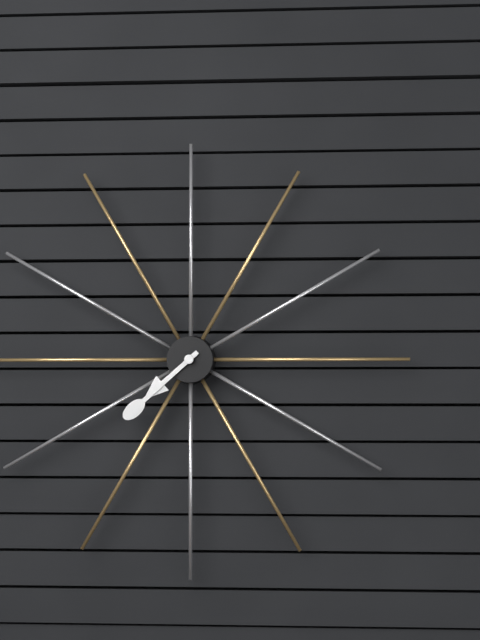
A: **7:38**
